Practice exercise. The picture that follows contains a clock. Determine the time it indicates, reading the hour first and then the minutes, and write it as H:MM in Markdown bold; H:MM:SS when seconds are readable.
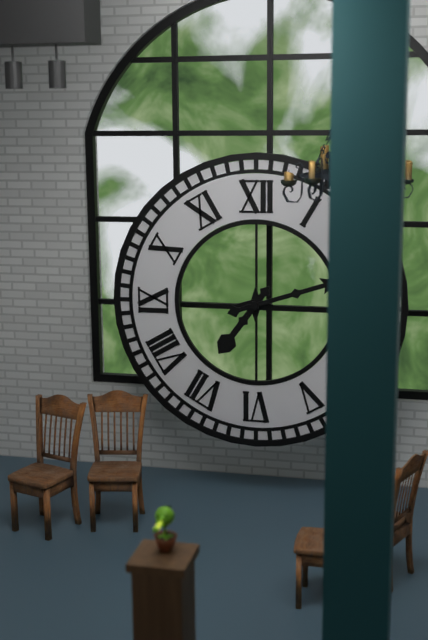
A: **7:12**
